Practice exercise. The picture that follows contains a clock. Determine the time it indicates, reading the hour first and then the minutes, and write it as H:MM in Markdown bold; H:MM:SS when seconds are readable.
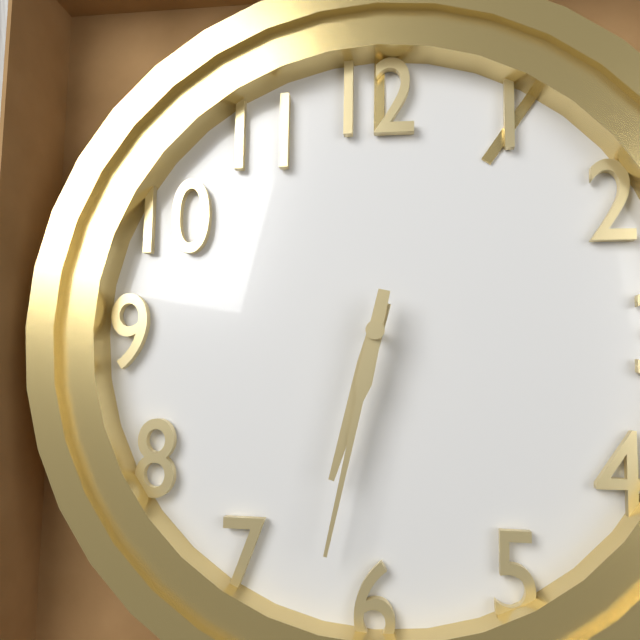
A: **6:32**
